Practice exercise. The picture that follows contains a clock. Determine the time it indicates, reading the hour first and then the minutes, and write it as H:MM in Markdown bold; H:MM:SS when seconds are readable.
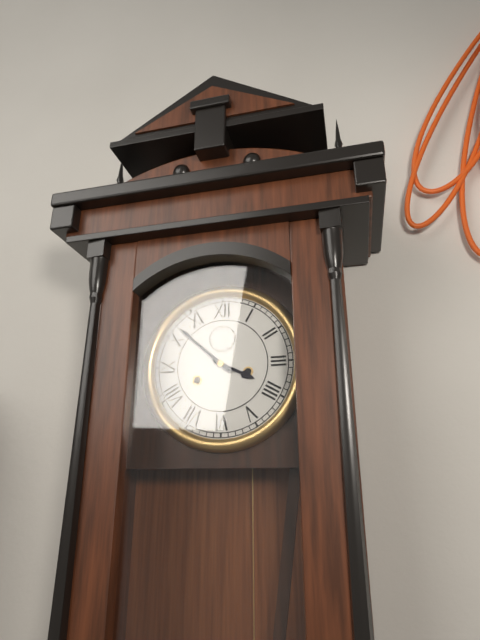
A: **3:52**
